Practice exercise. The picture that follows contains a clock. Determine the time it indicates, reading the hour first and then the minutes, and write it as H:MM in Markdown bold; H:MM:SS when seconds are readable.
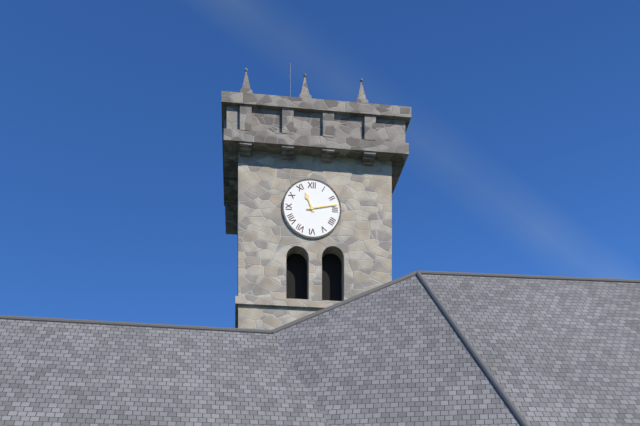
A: **11:13**
